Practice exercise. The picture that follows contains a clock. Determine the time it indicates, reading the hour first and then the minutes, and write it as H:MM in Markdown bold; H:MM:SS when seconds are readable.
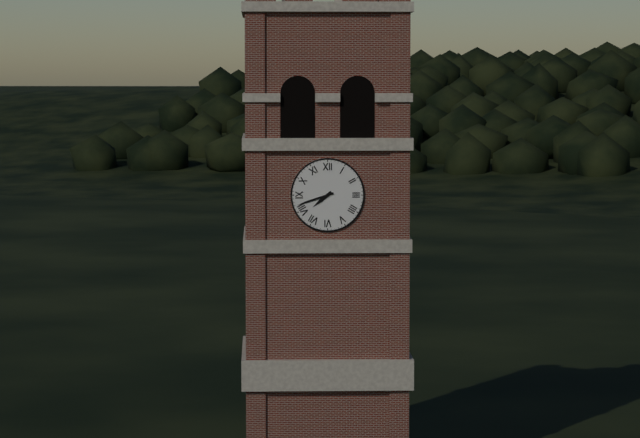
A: **7:42**
